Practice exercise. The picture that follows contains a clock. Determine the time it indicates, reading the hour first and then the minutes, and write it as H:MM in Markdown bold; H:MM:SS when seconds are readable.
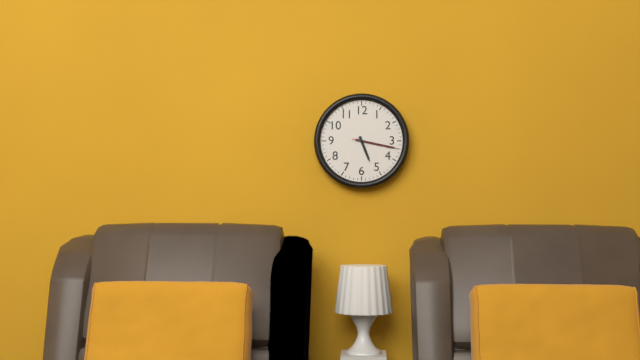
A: **5:17**
